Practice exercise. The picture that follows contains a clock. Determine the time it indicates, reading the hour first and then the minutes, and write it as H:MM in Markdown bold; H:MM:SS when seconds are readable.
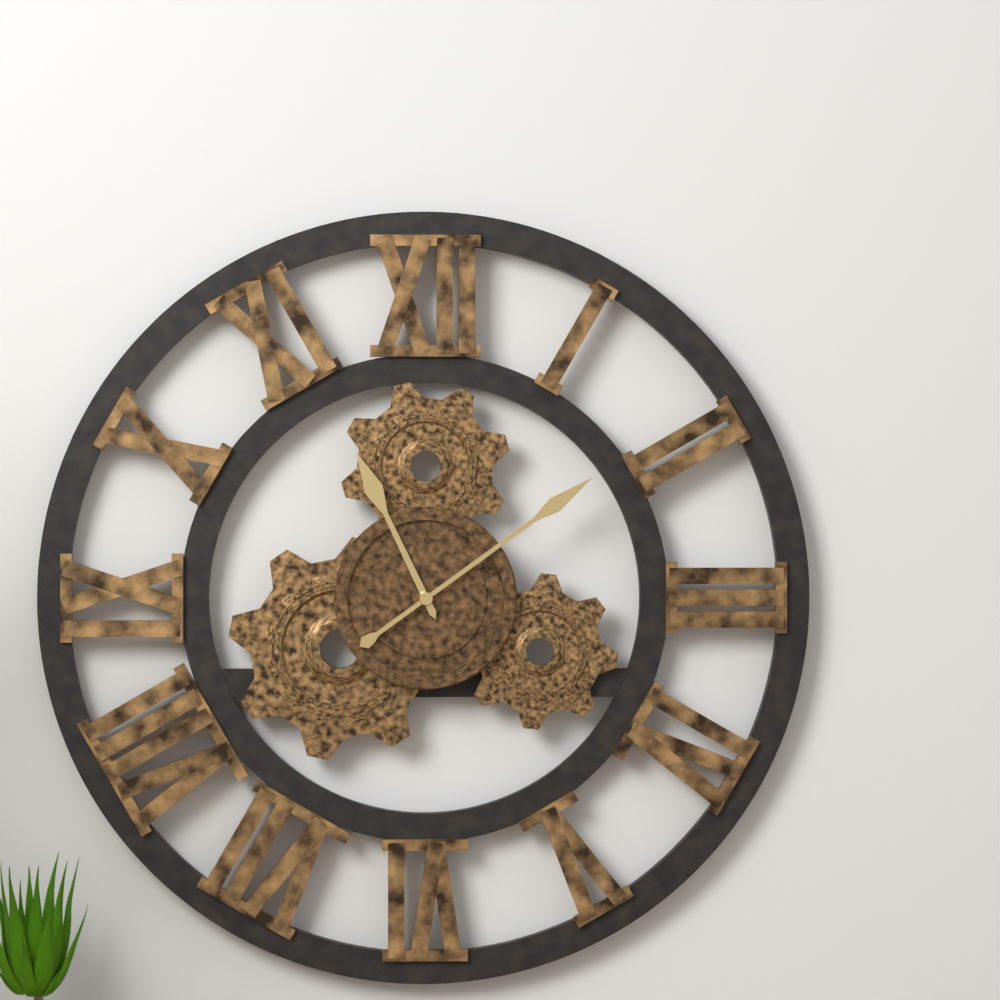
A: **11:09**
